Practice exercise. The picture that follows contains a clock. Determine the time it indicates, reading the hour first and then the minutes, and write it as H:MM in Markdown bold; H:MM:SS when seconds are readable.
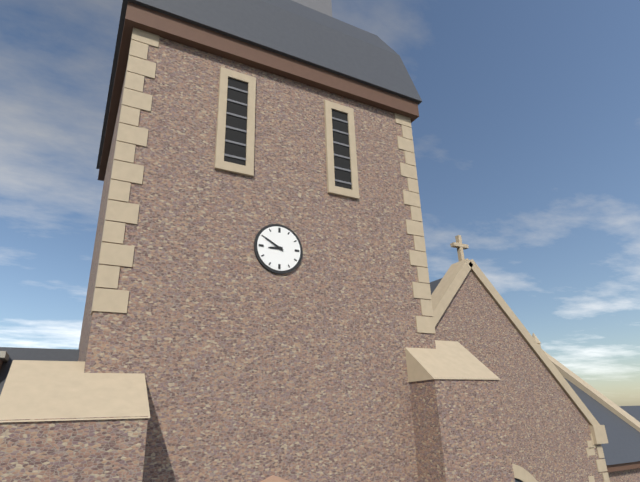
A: **8:50**
